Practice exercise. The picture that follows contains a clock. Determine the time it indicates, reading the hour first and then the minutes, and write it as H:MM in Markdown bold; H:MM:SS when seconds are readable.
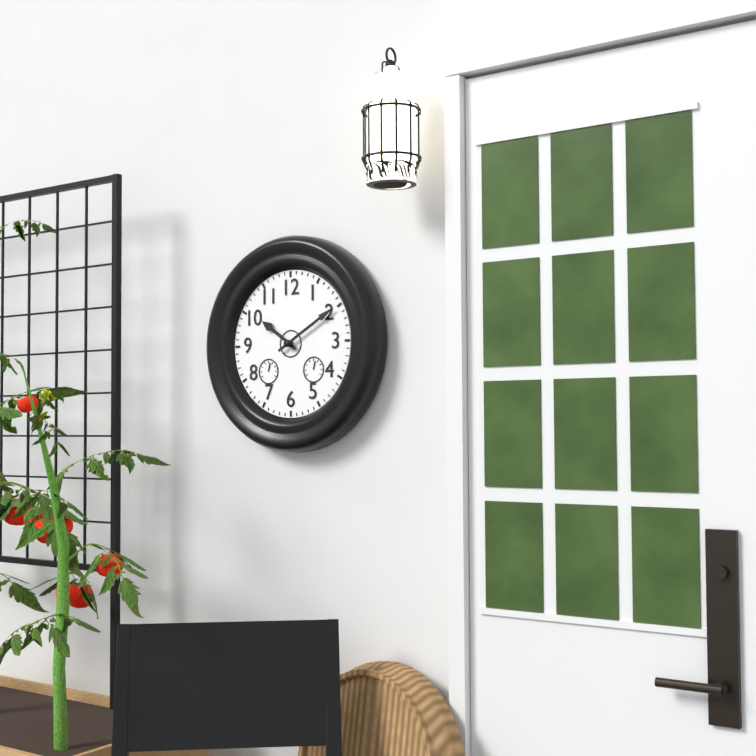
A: **10:10**
